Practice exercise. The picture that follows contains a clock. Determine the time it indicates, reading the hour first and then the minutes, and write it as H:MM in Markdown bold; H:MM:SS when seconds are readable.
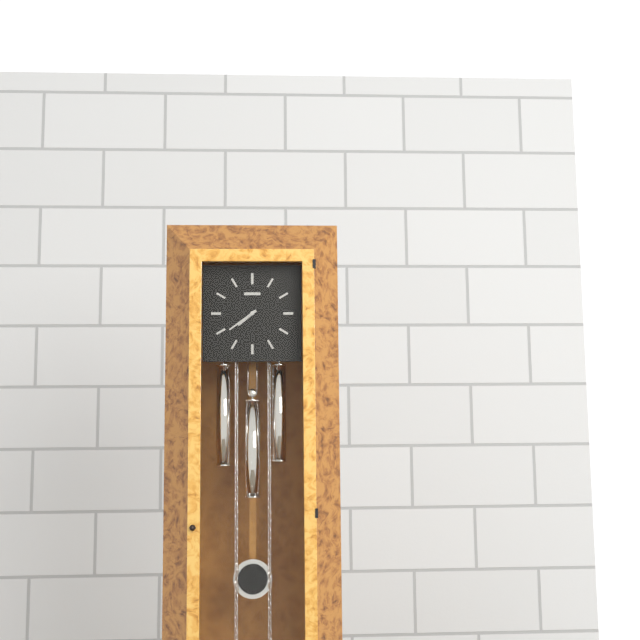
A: **7:39**
